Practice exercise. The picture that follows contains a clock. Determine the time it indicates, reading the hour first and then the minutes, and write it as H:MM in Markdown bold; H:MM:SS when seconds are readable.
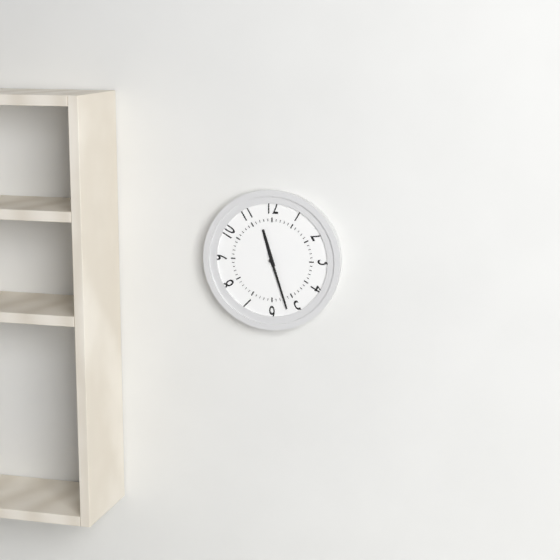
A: **11:27**
